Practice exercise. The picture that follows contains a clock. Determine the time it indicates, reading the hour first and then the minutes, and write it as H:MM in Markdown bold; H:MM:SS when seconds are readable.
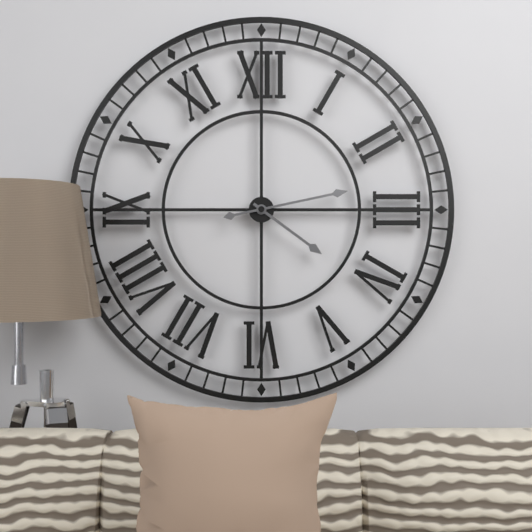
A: **4:13**
